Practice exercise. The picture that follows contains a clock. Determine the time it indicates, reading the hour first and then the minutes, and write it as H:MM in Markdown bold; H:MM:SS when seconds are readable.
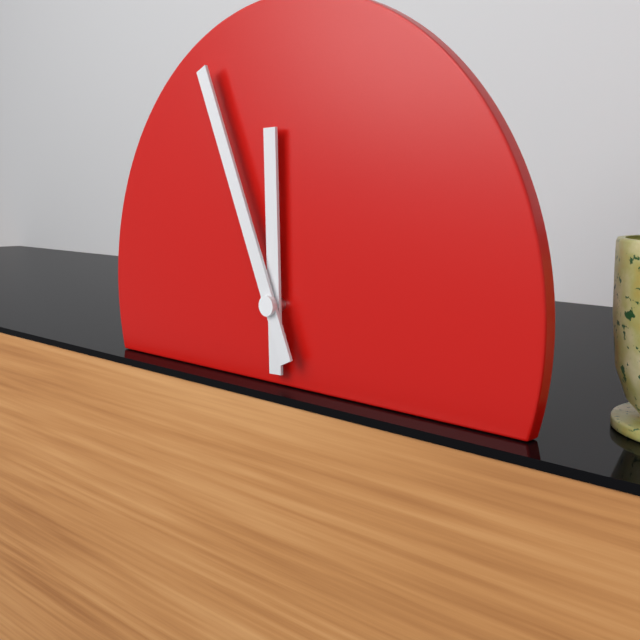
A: **11:56**
